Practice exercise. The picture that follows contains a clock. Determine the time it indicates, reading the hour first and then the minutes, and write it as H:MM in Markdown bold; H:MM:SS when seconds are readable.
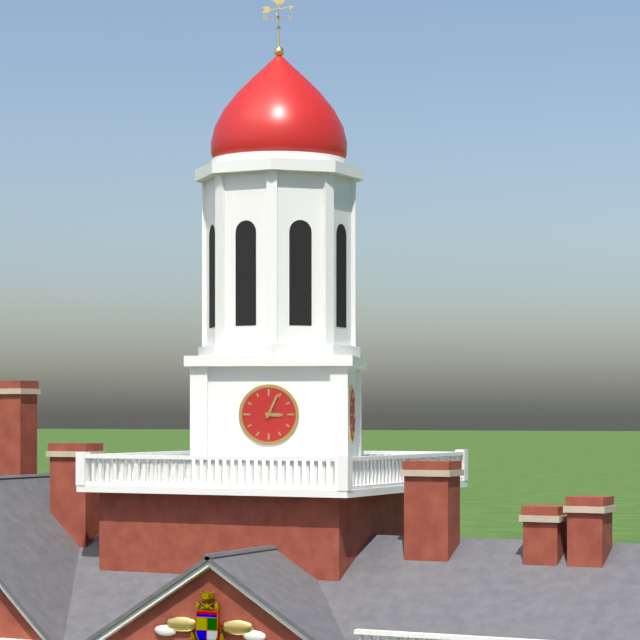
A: **3:04**
